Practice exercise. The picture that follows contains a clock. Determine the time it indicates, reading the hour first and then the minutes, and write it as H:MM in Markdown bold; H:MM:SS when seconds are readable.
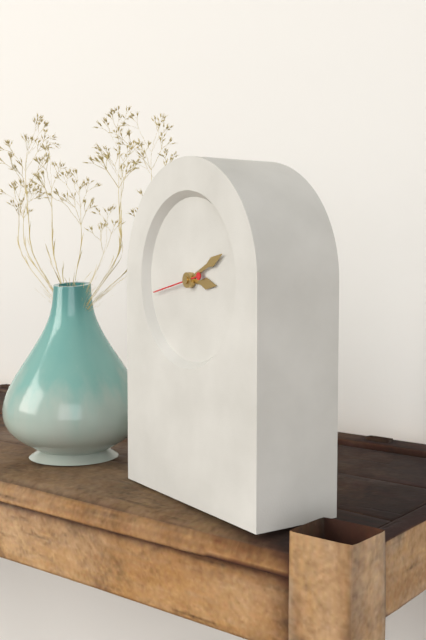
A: **3:11**
